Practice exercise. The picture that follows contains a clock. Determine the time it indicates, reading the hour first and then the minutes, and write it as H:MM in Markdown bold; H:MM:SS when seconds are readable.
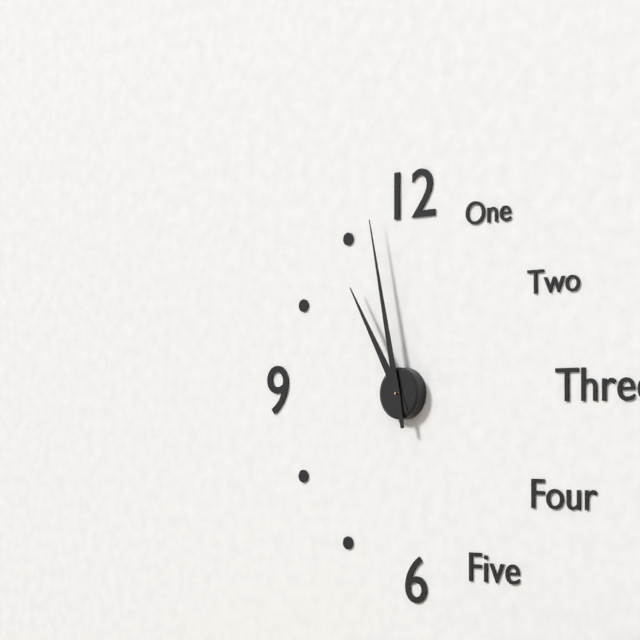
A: **10:58**
